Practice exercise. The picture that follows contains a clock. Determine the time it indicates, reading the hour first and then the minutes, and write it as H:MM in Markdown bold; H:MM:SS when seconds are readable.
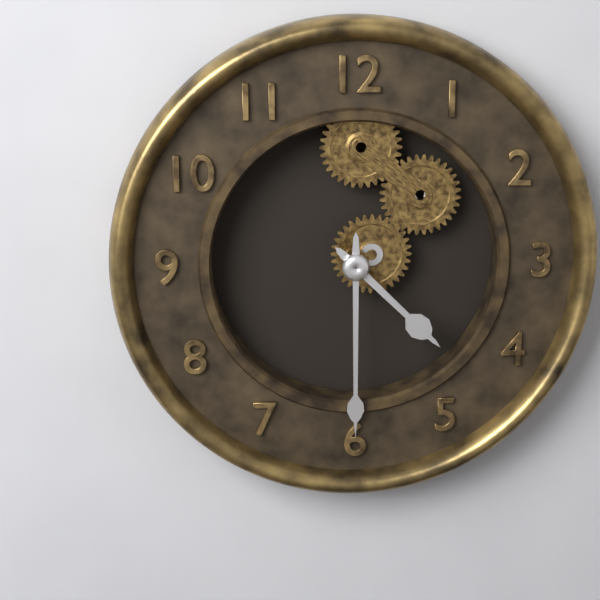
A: **4:30**
